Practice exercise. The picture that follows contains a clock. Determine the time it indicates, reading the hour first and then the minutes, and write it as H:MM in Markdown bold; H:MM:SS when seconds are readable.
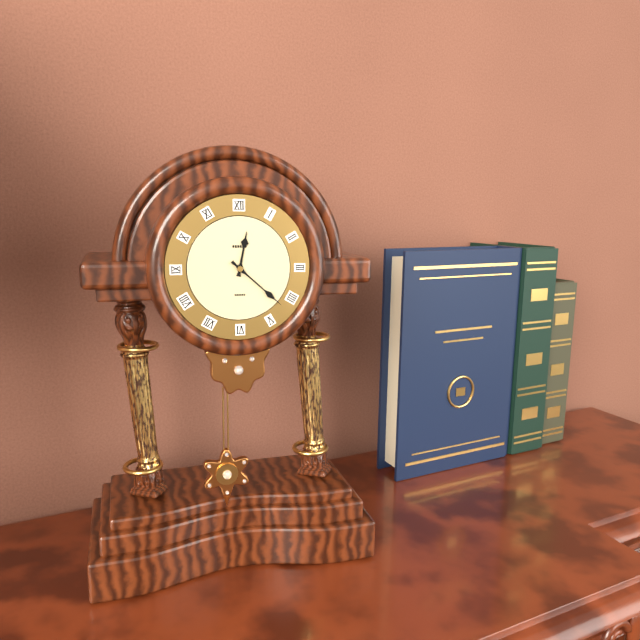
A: **12:22**
